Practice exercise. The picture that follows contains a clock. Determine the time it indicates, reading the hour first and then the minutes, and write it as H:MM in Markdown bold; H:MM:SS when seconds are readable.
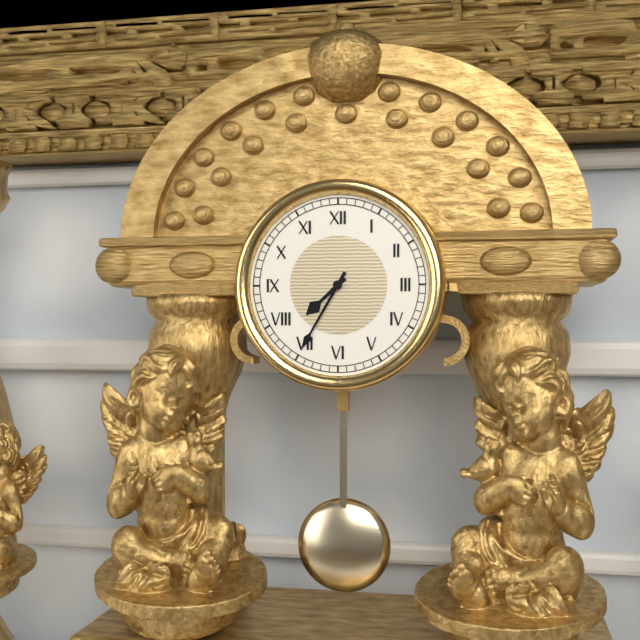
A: **7:35**
